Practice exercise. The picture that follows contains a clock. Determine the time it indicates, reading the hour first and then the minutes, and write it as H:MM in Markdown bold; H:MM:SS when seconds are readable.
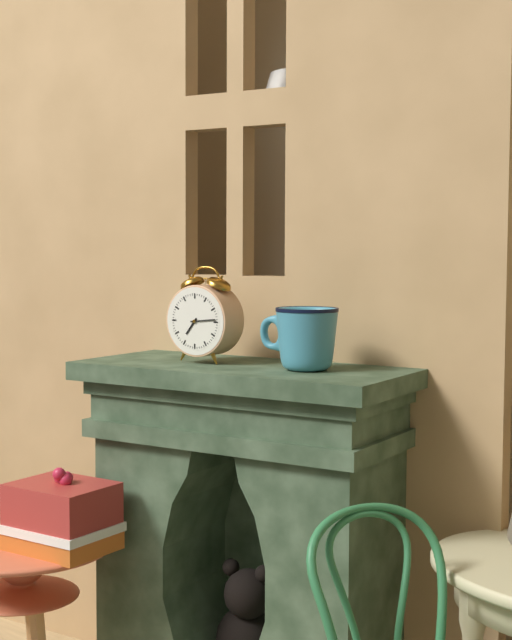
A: **7:14**
